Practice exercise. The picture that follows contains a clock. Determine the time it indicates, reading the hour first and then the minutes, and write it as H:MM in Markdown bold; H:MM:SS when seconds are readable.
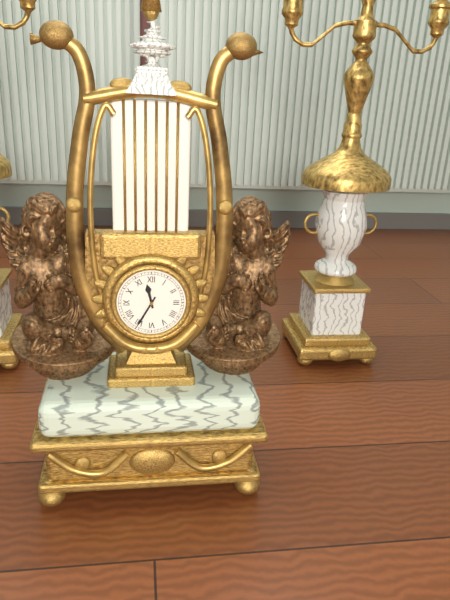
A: **11:35**
